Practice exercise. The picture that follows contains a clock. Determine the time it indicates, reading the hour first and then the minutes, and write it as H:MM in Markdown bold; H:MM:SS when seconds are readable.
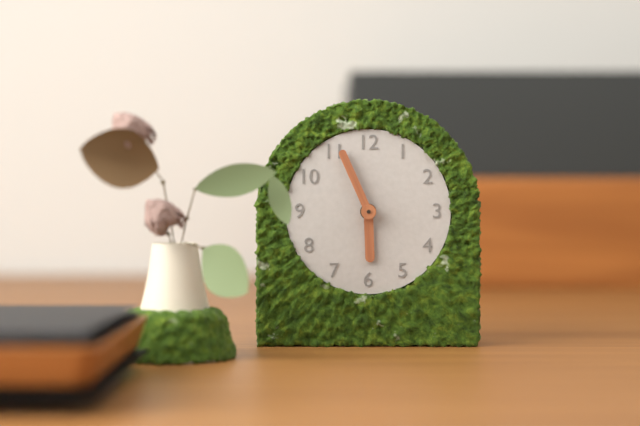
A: **5:56**
